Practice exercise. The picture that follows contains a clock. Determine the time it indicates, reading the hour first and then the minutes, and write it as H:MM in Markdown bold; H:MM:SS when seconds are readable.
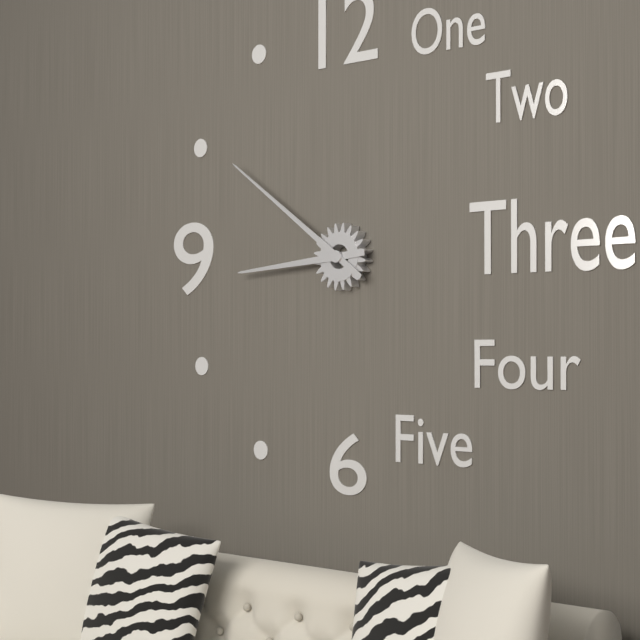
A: **8:51**
